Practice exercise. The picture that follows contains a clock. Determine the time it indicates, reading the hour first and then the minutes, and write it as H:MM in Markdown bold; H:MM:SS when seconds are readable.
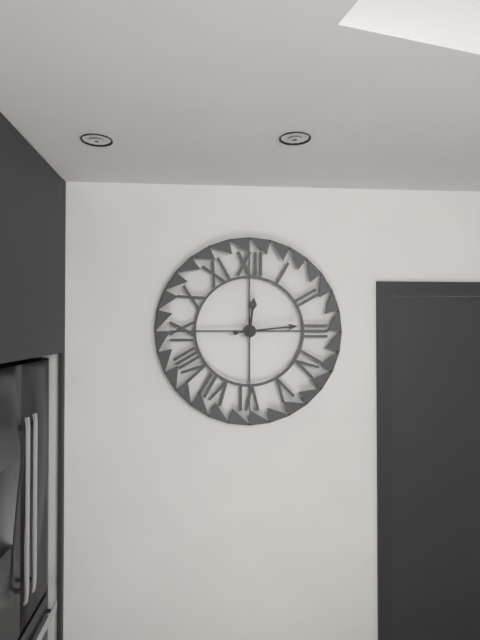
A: **12:14**
